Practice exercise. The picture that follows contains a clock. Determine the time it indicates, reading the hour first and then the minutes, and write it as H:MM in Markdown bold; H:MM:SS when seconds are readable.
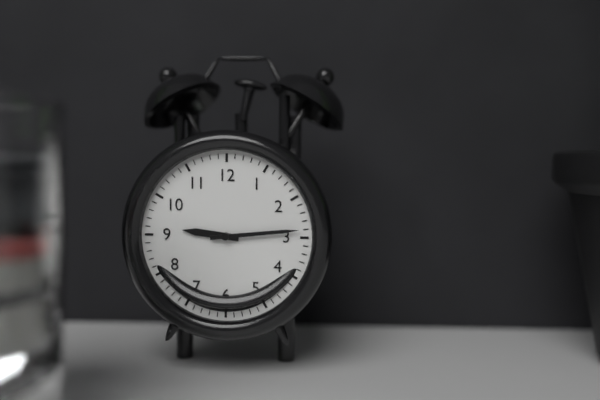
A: **9:14**
